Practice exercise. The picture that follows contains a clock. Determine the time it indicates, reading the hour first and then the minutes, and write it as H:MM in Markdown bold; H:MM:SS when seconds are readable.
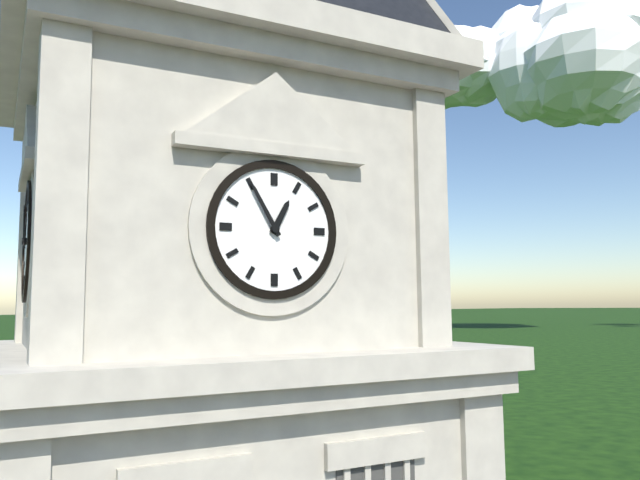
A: **12:55**
